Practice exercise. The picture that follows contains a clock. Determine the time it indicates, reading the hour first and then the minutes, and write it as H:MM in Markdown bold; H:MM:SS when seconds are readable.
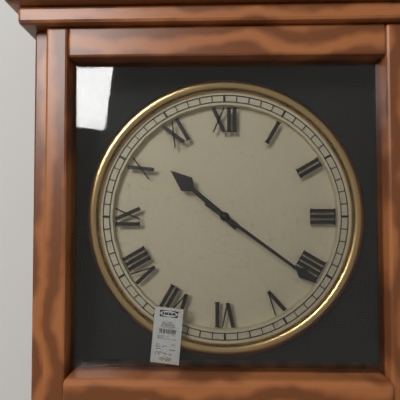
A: **10:21**
